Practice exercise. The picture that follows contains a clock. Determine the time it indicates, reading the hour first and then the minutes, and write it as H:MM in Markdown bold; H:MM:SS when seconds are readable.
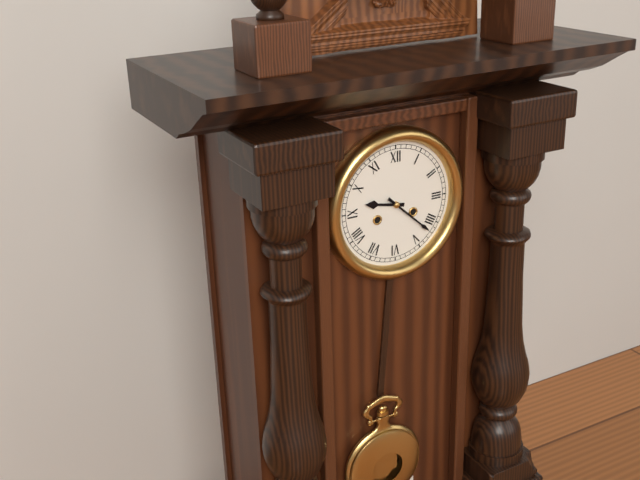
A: **9:22**
